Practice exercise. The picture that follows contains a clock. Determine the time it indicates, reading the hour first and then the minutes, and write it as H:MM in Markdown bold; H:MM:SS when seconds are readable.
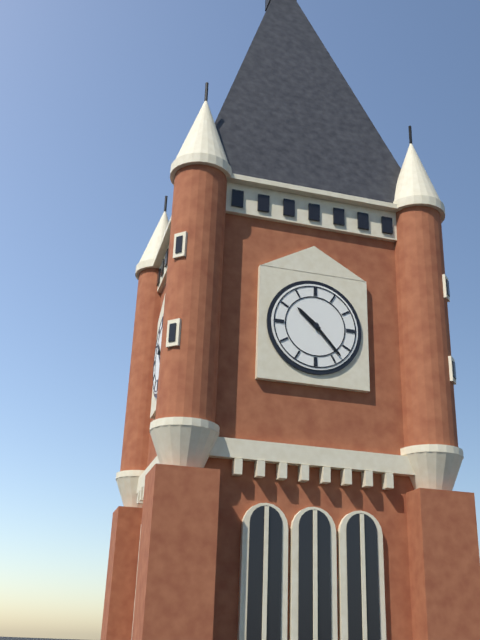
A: **10:23**
